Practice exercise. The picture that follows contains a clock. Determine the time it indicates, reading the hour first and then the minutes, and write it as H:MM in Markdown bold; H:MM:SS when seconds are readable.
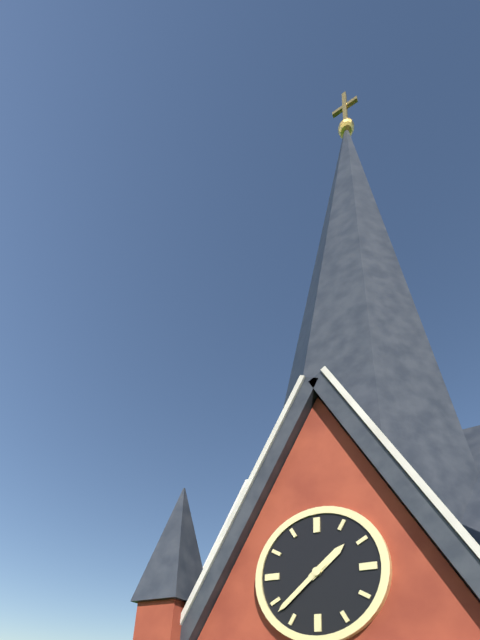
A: **1:38**
